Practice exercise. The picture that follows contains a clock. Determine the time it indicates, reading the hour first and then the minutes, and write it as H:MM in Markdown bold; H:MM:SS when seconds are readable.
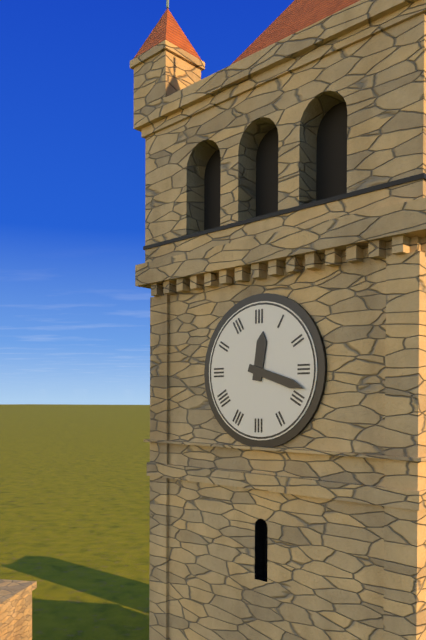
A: **12:18**
